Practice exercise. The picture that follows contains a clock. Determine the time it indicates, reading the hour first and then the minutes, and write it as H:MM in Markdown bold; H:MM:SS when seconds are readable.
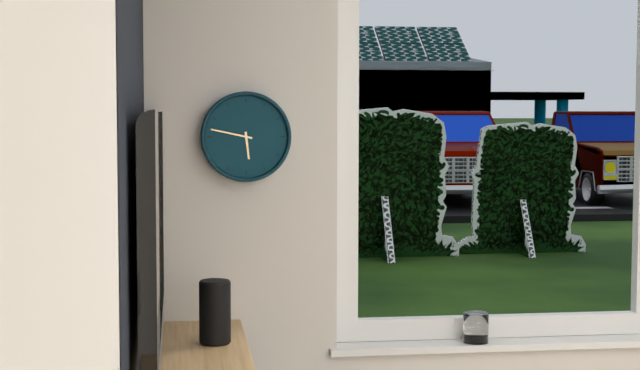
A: **5:47**
